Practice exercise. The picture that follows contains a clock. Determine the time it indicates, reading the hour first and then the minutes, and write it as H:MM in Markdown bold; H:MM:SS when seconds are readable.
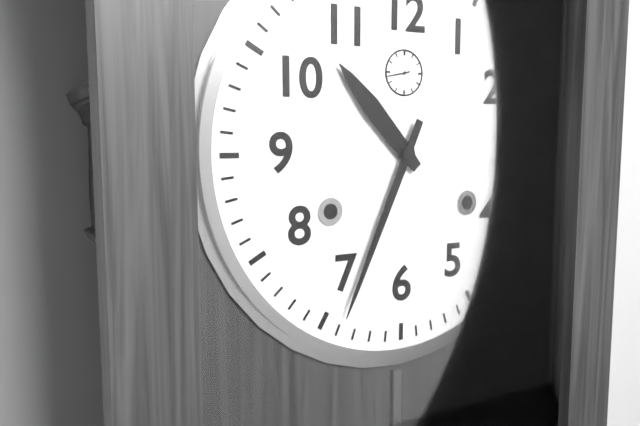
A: **10:34**
